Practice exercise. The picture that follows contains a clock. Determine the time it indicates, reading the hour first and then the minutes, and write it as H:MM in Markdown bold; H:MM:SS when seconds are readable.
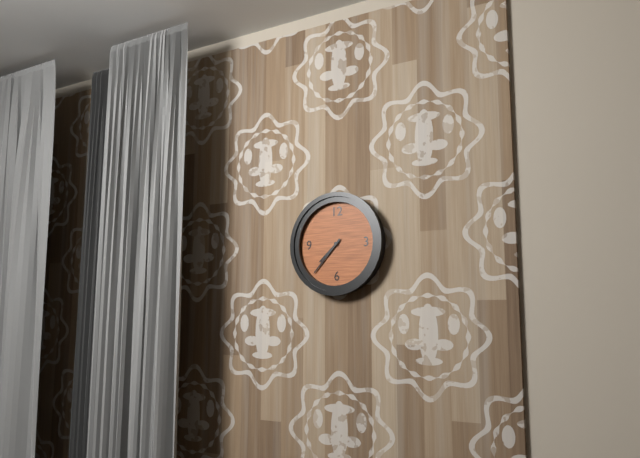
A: **7:37**
